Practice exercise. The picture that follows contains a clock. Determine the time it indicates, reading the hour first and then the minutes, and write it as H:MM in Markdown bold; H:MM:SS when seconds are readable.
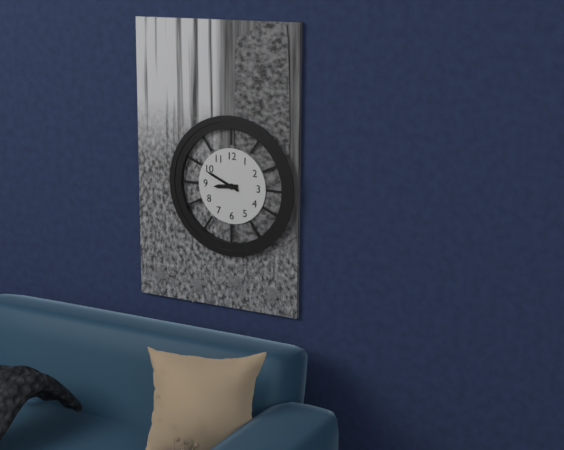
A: **8:49**
